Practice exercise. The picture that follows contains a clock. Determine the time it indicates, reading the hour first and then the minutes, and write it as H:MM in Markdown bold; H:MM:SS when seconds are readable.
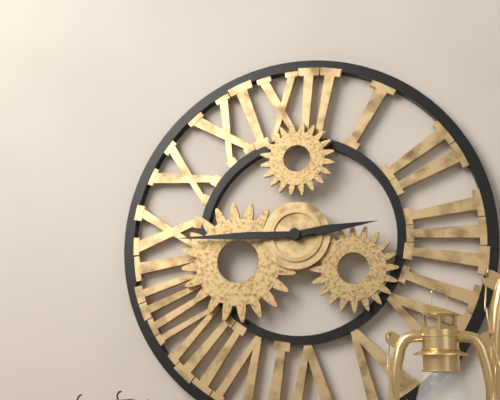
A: **2:45**
